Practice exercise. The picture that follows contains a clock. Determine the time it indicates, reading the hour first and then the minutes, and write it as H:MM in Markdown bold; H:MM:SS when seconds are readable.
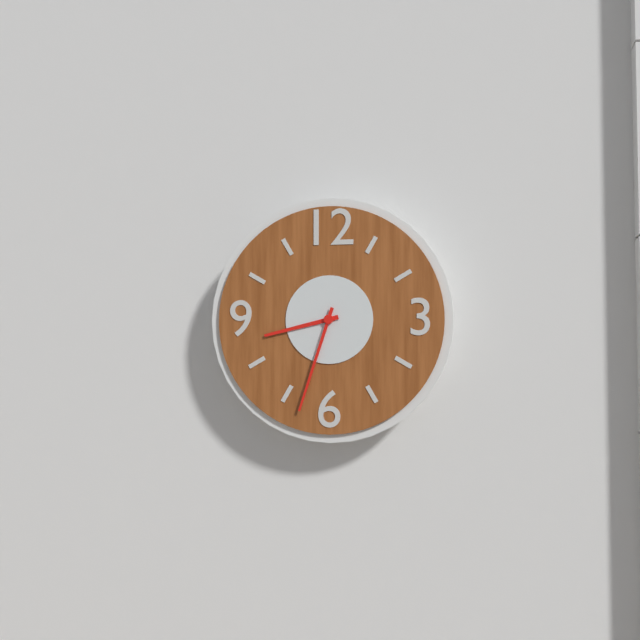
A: **8:33**
